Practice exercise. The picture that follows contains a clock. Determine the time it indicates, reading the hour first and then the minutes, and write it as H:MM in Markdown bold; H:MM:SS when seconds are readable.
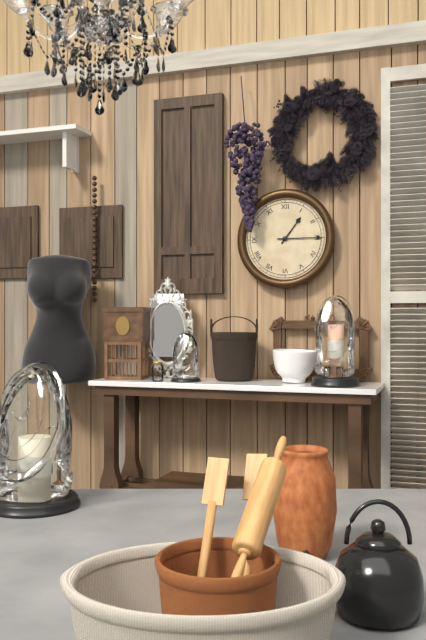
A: **1:15**
